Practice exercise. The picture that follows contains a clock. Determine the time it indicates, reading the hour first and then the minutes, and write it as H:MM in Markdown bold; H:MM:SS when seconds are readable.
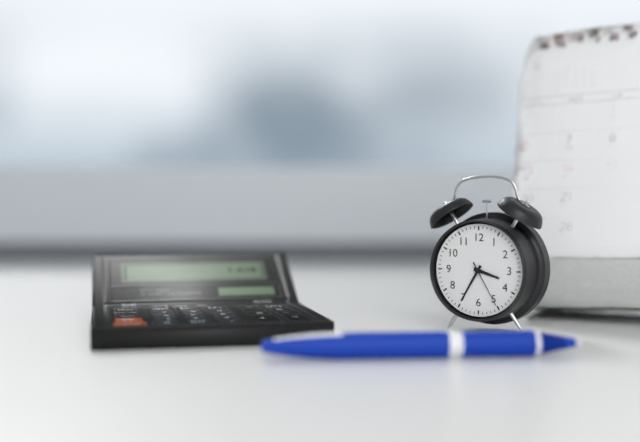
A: **3:35**
